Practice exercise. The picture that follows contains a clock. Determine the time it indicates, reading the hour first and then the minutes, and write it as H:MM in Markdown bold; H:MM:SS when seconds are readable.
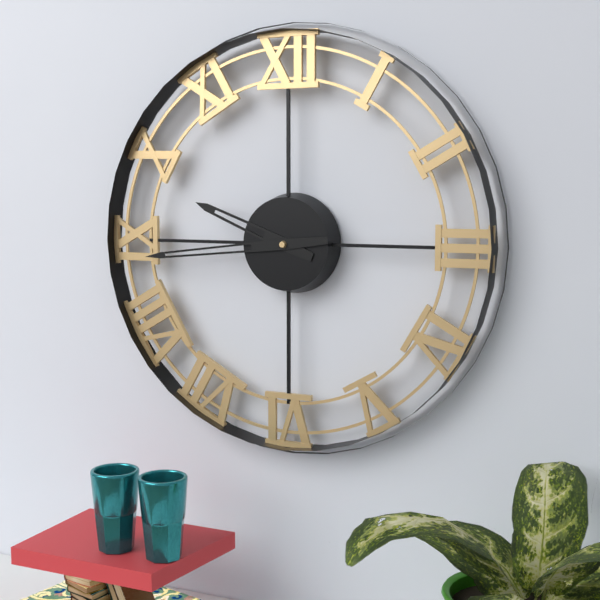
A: **9:44**
